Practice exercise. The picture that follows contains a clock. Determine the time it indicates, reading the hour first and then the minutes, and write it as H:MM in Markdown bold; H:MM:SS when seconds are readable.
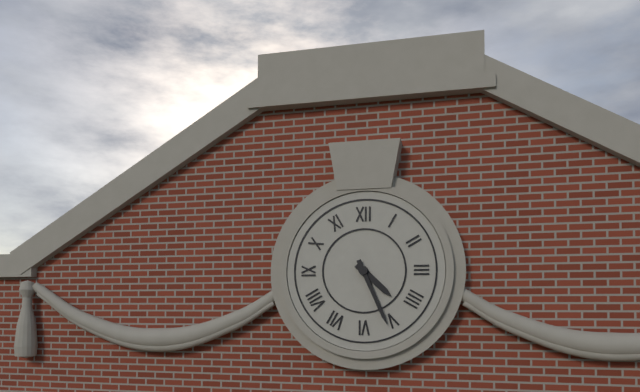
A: **4:26**
